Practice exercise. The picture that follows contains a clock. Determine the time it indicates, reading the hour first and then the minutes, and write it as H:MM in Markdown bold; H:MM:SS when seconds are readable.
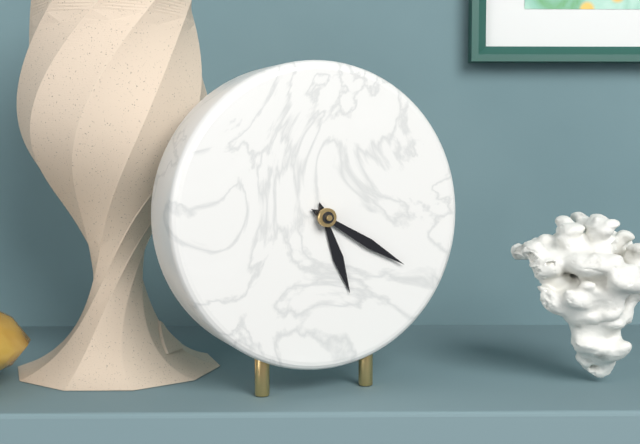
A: **5:20**
